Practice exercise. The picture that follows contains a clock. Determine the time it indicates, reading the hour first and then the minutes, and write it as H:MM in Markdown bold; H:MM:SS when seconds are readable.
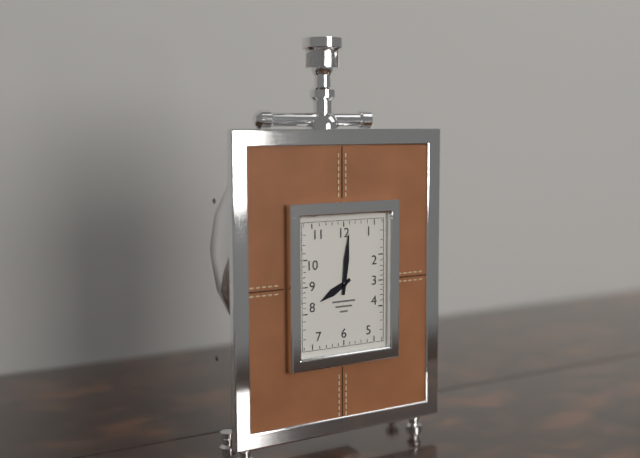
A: **8:01**
